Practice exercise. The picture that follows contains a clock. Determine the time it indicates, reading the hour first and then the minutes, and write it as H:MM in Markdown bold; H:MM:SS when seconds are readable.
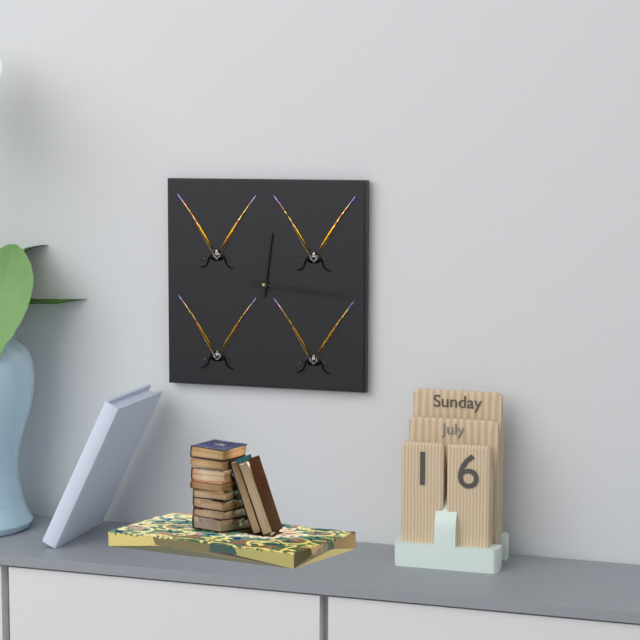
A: **12:16**
